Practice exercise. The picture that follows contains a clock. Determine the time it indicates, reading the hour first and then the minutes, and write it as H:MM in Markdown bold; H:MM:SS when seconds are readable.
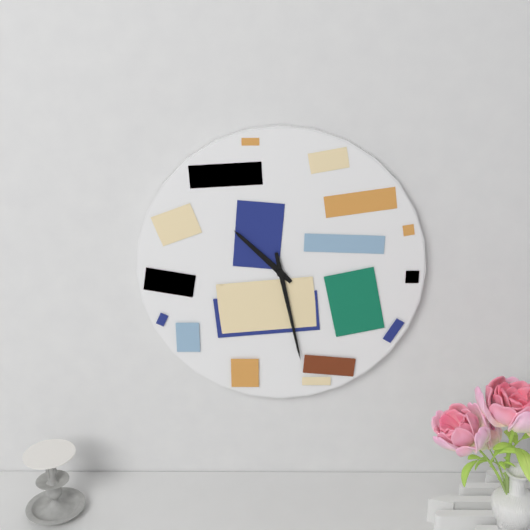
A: **10:28**
